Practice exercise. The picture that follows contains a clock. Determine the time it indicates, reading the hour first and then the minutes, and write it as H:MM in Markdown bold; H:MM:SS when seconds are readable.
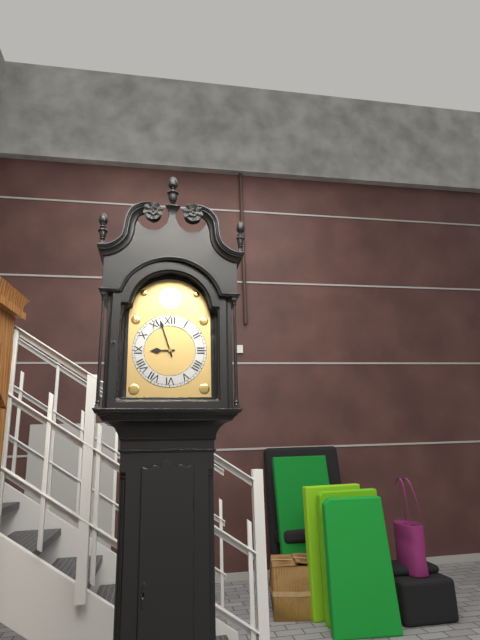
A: **8:57**
